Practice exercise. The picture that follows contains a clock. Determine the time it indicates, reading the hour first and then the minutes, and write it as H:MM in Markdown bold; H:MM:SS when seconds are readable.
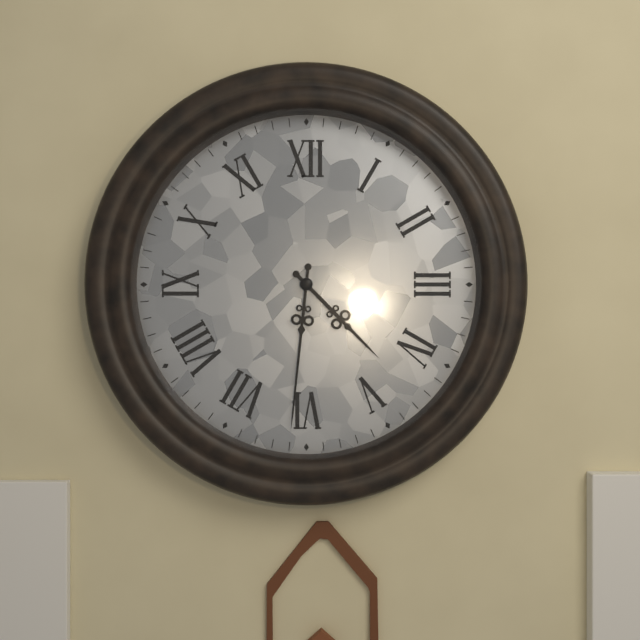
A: **4:31**
